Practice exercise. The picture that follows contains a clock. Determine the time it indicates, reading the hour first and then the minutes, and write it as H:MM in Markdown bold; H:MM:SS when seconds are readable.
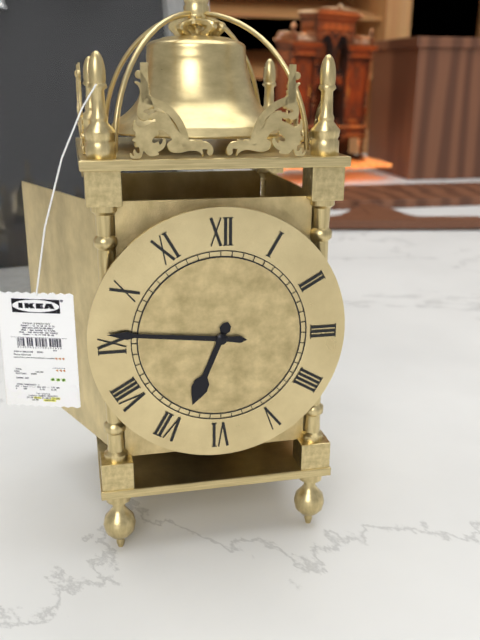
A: **6:46**
